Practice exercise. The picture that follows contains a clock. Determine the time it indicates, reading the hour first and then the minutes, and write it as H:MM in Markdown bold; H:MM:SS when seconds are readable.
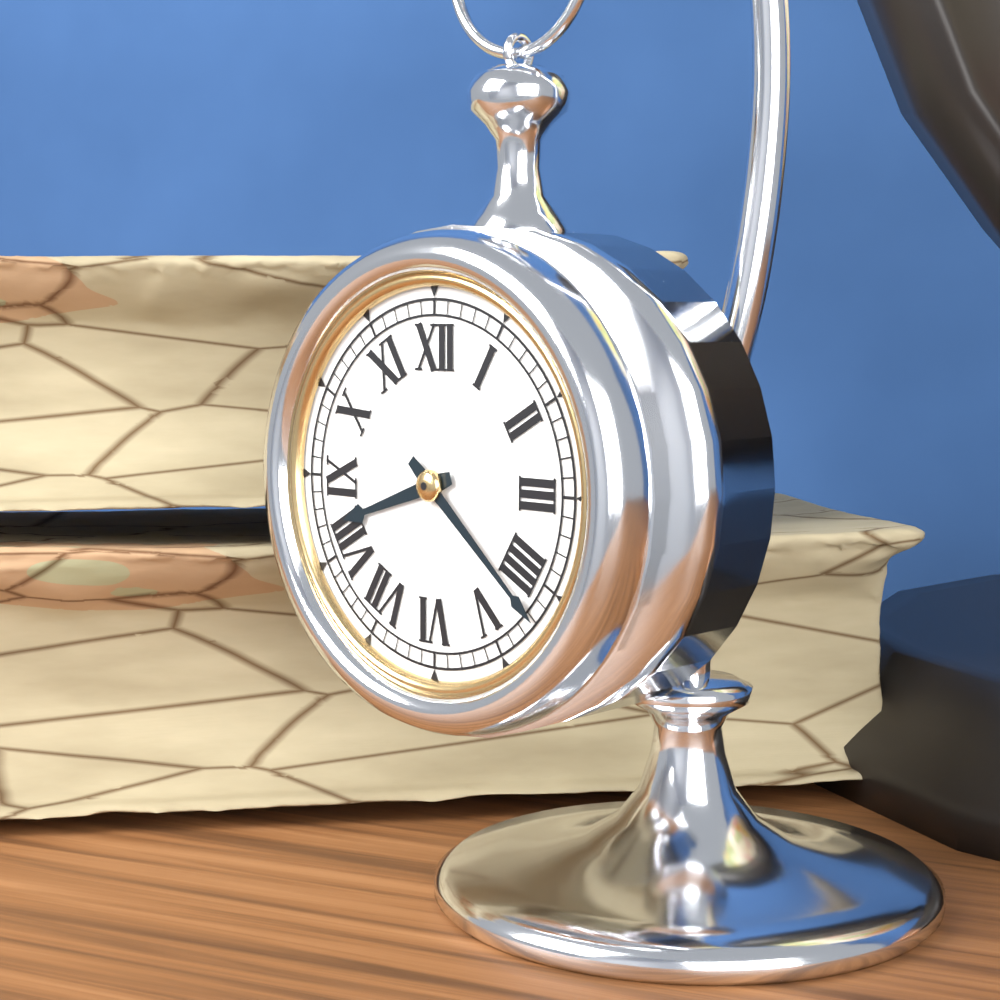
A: **8:22**
